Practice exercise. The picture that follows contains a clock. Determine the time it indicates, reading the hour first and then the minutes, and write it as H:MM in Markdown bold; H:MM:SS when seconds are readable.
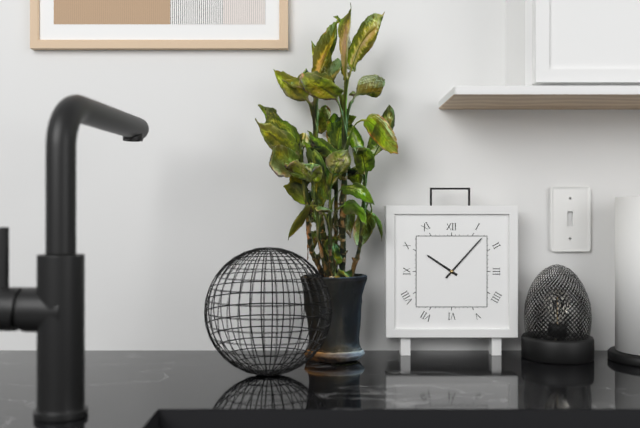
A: **10:07**
